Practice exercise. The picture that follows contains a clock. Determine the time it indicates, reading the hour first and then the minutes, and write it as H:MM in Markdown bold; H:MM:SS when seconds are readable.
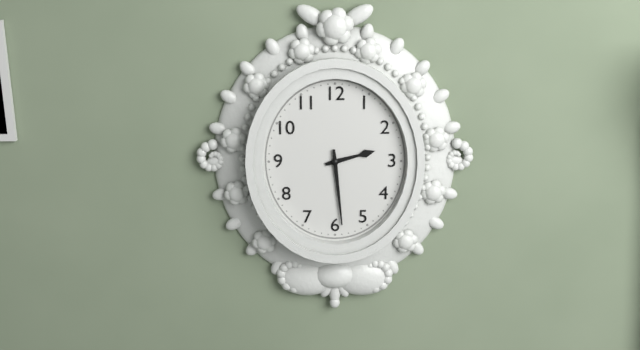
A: **2:29**
